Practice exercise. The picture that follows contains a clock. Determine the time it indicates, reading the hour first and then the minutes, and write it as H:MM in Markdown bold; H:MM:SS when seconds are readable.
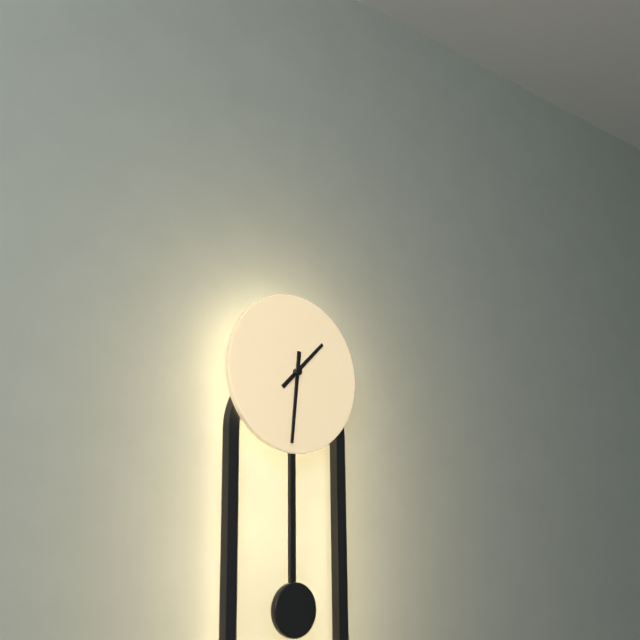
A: **1:31**
